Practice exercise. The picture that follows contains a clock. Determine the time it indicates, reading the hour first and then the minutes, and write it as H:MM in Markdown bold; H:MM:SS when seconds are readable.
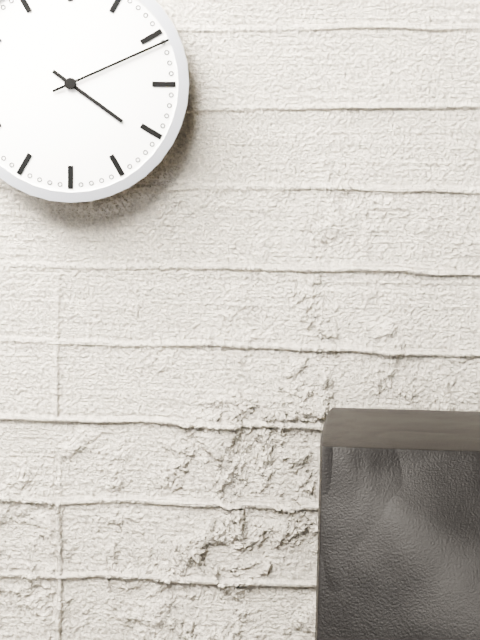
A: **4:11**
